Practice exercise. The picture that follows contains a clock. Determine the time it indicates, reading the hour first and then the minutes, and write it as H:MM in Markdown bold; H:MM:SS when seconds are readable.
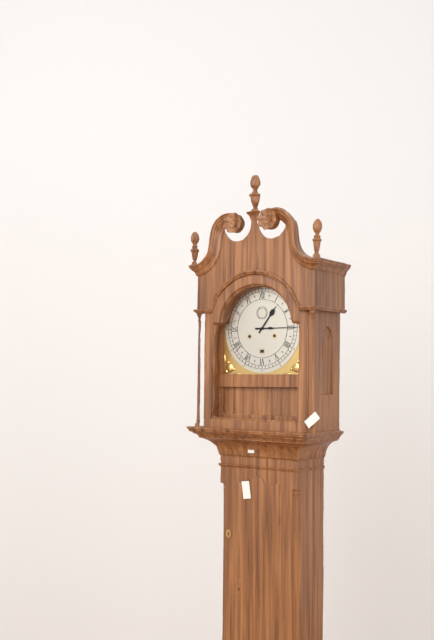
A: **1:15**
